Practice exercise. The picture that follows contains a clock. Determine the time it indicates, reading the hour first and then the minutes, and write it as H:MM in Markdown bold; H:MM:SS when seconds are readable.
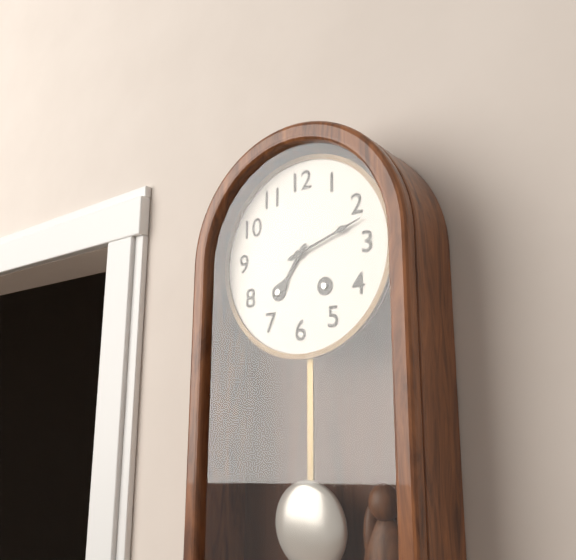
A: **7:12**
